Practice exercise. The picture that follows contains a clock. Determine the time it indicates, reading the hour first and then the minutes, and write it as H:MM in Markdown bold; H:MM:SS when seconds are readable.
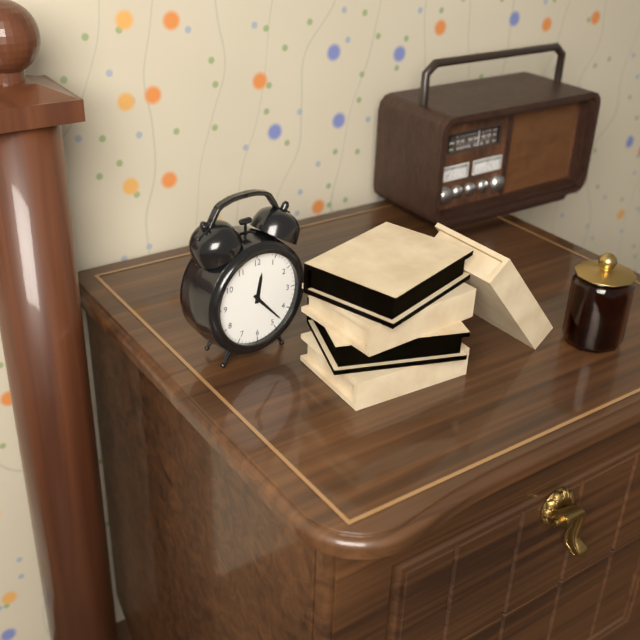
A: **12:23**
